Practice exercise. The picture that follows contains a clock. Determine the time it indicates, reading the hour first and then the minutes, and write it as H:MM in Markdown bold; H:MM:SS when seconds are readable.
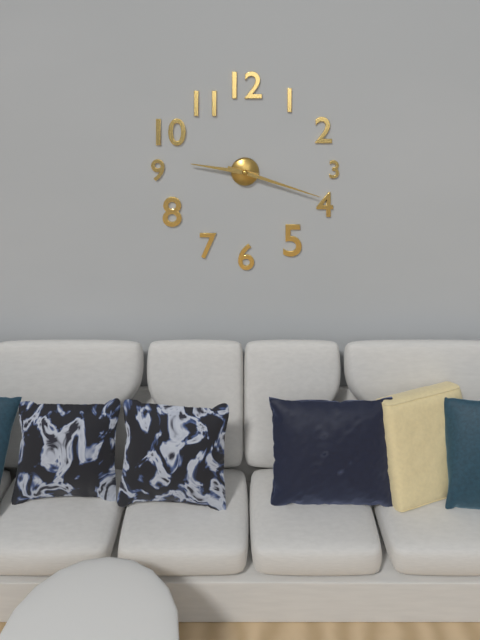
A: **9:18**
